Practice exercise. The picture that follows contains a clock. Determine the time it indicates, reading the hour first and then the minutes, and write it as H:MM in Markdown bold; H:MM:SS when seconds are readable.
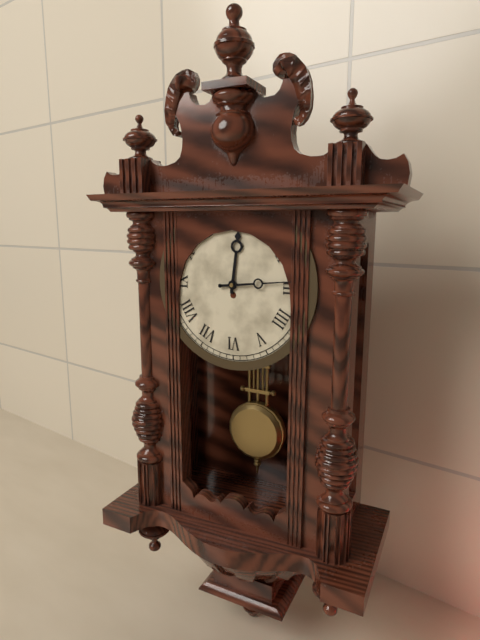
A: **12:14**
